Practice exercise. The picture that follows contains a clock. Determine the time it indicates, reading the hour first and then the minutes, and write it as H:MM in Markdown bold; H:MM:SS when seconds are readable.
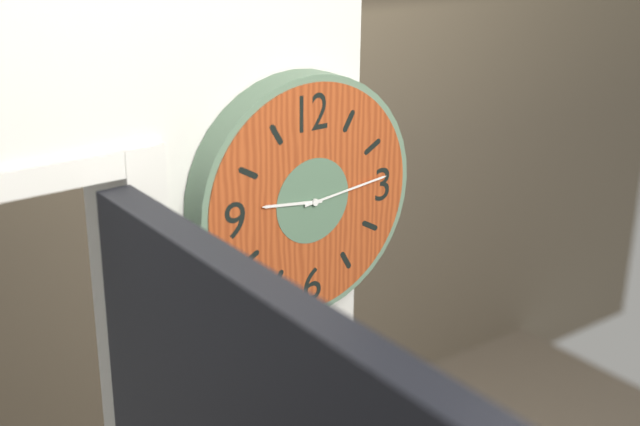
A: **9:14**
